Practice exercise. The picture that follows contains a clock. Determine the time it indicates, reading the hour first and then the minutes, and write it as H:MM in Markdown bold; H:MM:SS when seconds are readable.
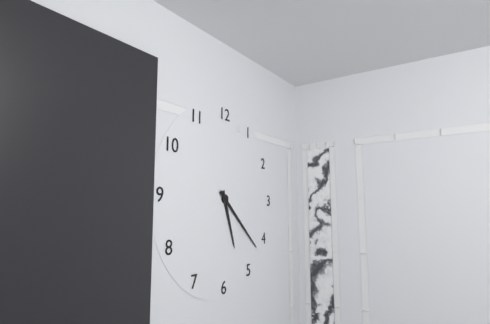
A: **5:22**
